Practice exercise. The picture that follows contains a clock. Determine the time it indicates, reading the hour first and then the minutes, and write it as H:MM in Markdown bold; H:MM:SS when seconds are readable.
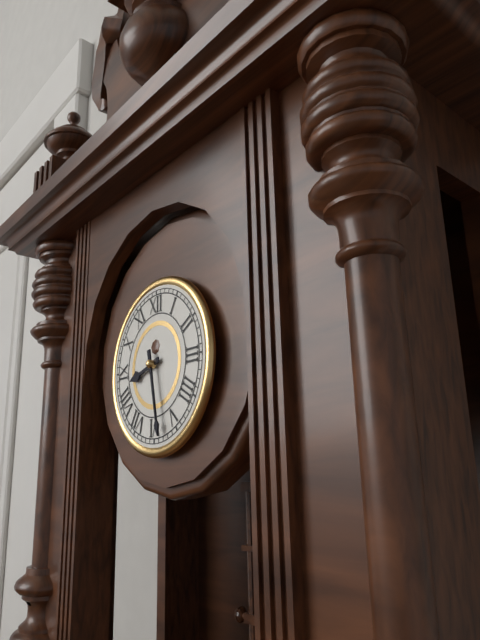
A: **8:28**
